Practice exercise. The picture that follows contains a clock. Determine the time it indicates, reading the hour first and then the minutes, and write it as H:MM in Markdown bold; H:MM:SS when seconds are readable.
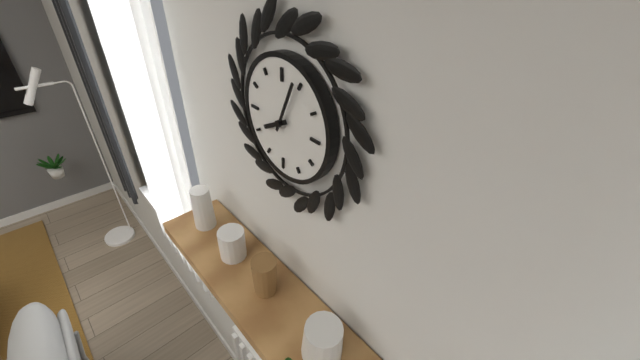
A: **8:04**
